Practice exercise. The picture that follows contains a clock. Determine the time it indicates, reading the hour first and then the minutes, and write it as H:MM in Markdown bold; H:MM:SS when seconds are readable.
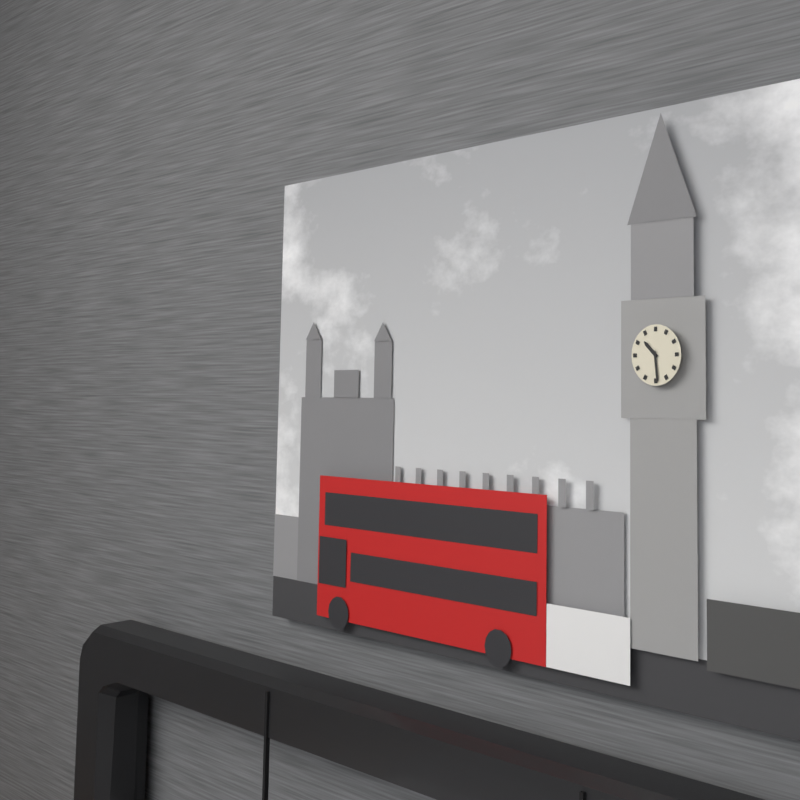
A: **10:29**
